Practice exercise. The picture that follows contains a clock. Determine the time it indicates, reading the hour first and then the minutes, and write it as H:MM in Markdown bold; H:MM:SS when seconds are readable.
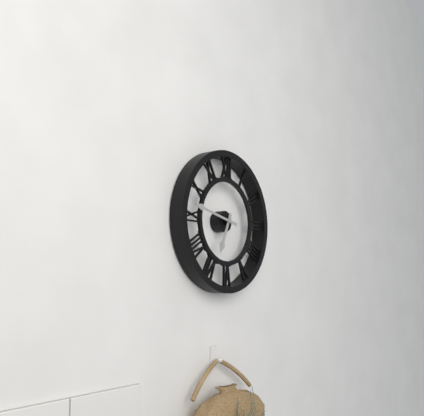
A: **6:47**
